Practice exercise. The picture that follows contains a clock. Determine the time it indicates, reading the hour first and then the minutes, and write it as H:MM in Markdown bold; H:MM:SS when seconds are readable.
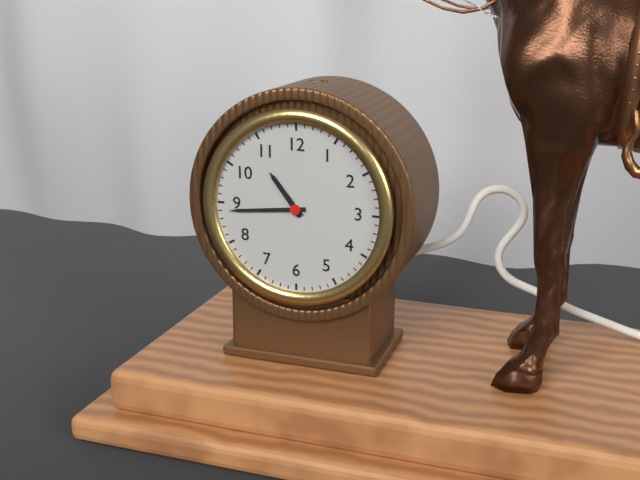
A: **10:44**
